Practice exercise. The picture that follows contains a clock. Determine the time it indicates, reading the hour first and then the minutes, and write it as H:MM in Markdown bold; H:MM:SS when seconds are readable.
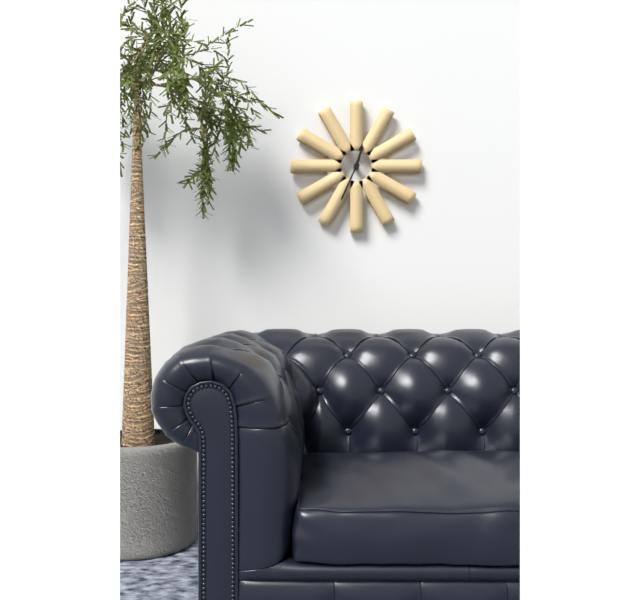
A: **12:34**
